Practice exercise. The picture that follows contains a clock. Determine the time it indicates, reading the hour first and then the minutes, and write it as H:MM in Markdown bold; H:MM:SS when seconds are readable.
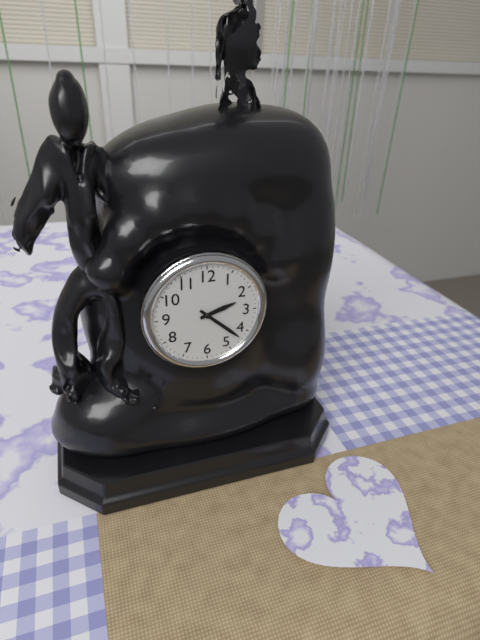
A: **2:22**
